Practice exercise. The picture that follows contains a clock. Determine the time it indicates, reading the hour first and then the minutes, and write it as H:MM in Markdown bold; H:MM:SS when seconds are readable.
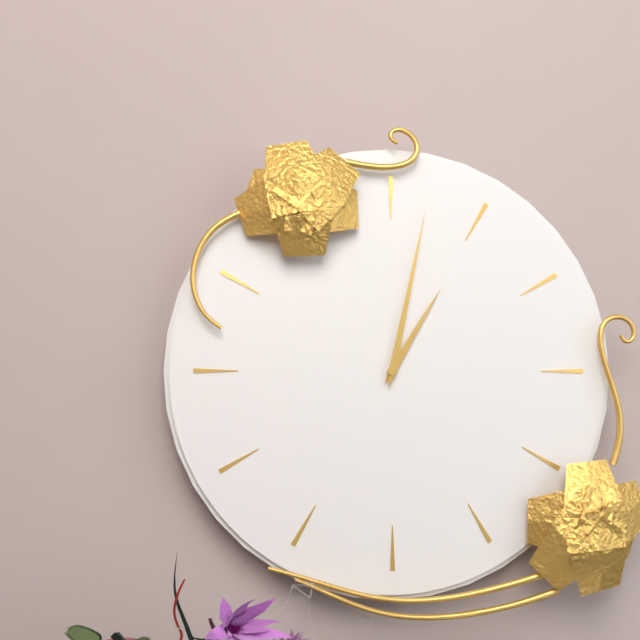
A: **1:02**
